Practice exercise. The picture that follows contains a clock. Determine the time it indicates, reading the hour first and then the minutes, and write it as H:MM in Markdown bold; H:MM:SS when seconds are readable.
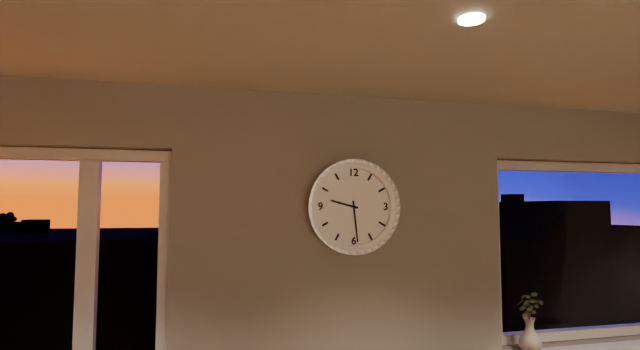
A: **9:29**
